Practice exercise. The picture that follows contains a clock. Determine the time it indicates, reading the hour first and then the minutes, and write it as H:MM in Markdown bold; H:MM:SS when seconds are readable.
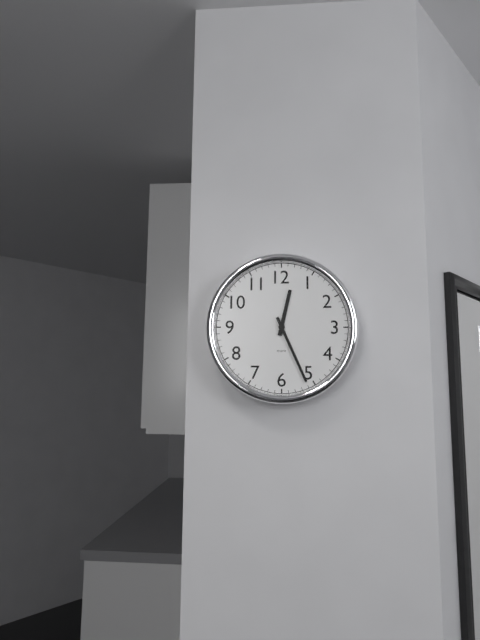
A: **12:26**
